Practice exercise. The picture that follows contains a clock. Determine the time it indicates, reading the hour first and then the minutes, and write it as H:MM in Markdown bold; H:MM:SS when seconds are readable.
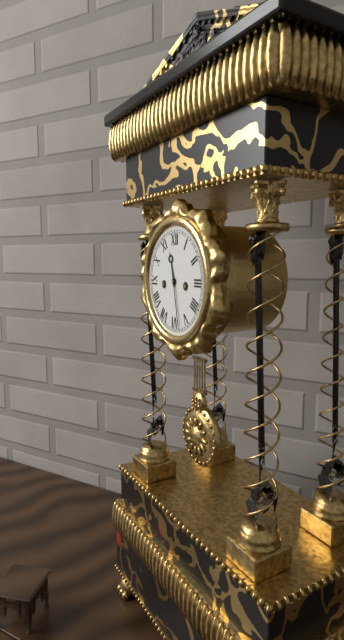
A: **11:28**
